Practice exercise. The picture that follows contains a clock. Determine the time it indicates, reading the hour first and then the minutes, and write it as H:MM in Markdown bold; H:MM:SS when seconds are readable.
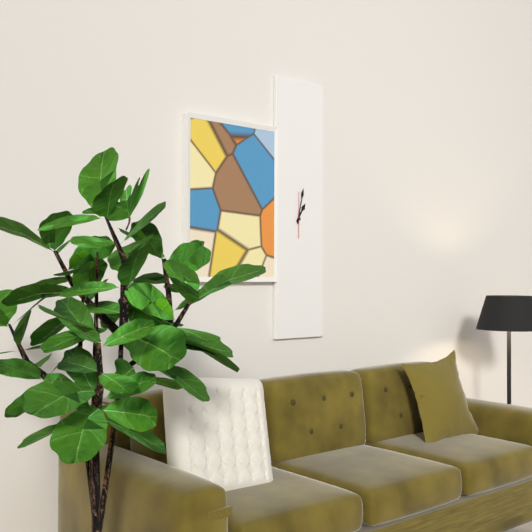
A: **1:02**
